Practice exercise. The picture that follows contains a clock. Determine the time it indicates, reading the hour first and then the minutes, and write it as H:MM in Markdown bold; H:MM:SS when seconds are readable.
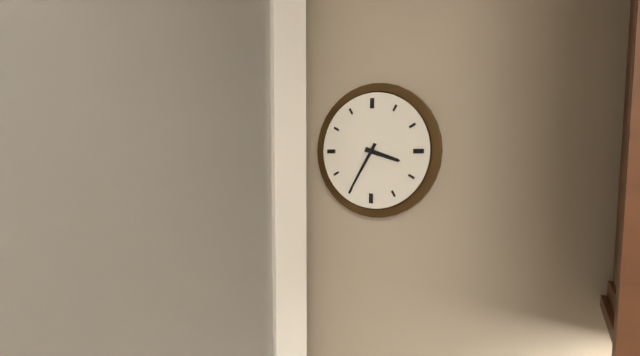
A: **3:35**
